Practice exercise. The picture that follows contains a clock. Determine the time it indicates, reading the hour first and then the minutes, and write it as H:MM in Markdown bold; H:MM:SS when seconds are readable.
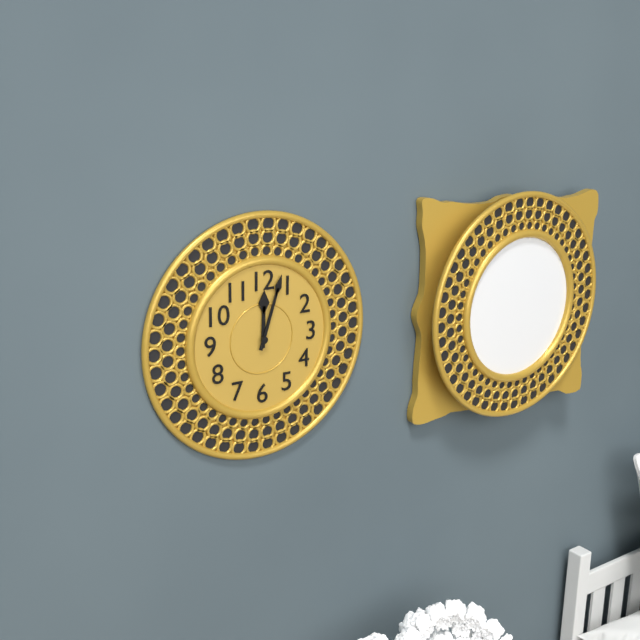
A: **12:03**
